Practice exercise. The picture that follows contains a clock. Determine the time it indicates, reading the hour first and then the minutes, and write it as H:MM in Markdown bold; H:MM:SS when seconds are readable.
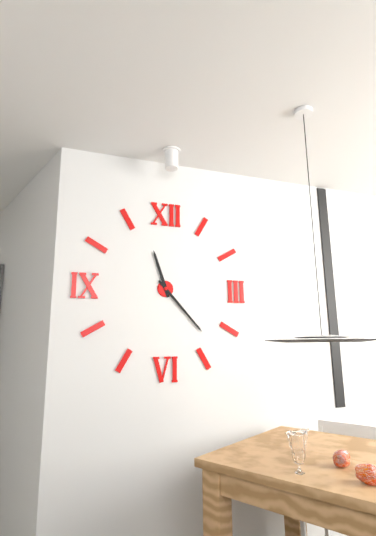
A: **11:23**
